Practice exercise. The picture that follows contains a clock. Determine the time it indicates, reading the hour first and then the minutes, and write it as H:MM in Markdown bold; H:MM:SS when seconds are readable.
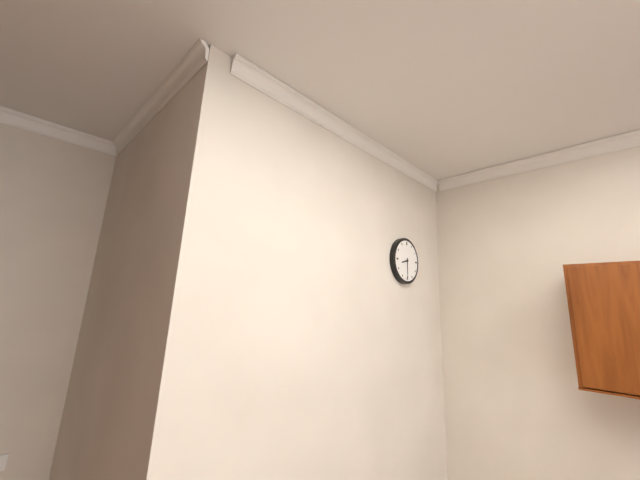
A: **8:30**
